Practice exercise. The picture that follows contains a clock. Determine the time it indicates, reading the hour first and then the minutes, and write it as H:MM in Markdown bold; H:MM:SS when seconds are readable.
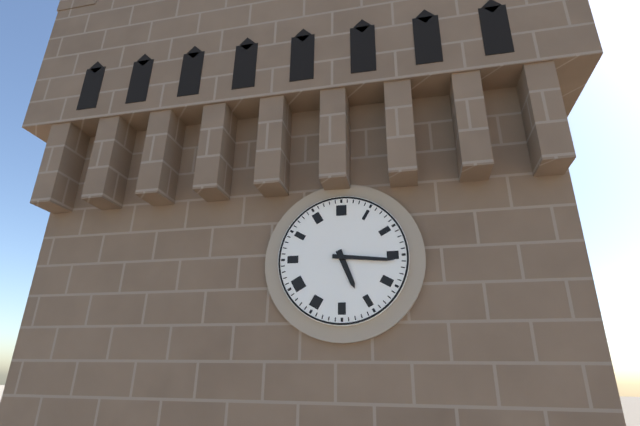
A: **5:16**
